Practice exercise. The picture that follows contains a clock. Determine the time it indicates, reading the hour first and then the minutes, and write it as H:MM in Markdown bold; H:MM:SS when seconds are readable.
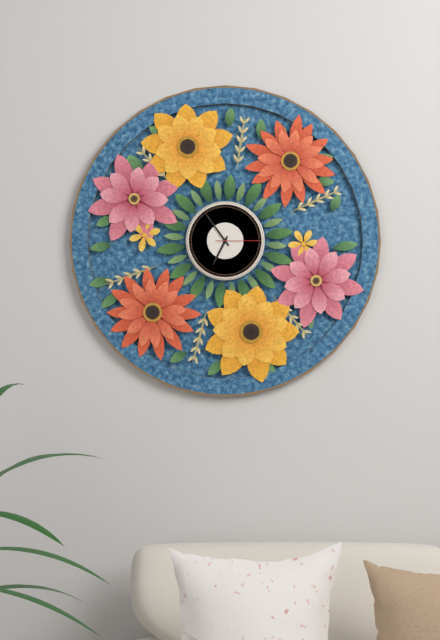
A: **6:54**
